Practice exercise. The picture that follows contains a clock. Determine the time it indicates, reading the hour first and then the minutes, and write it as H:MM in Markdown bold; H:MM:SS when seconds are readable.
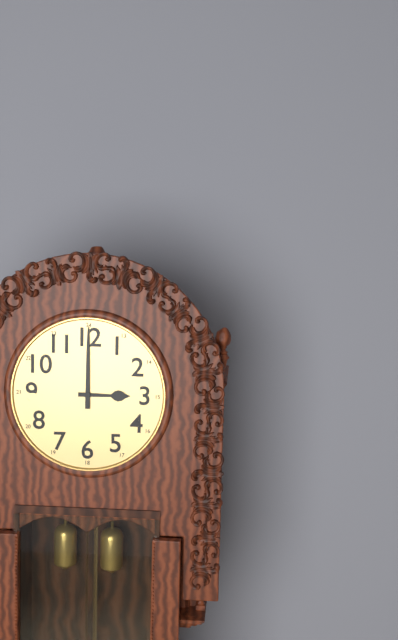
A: **3:00**
